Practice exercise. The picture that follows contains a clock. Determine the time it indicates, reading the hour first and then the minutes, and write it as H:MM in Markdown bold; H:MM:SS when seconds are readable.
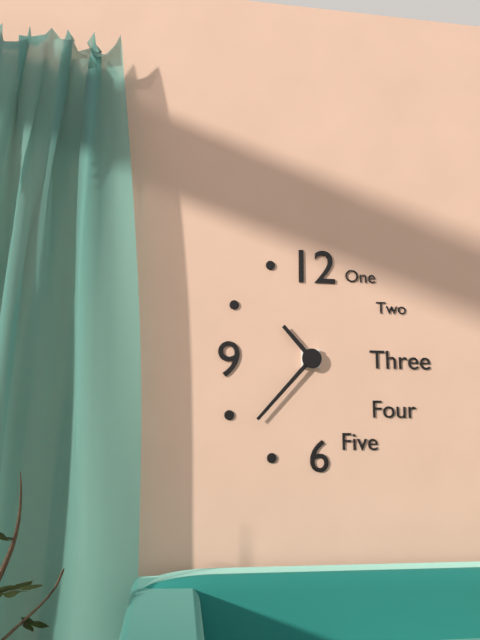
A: **10:37**
